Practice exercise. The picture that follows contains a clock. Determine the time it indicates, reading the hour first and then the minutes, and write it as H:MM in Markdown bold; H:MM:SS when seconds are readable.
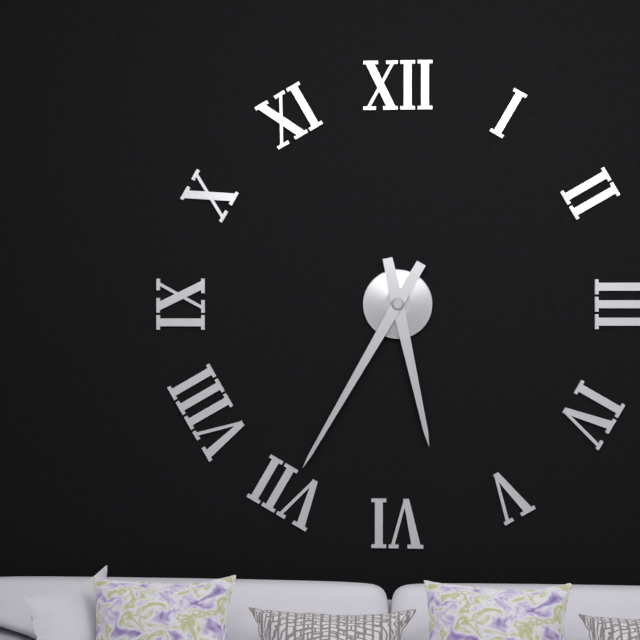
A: **5:35**
